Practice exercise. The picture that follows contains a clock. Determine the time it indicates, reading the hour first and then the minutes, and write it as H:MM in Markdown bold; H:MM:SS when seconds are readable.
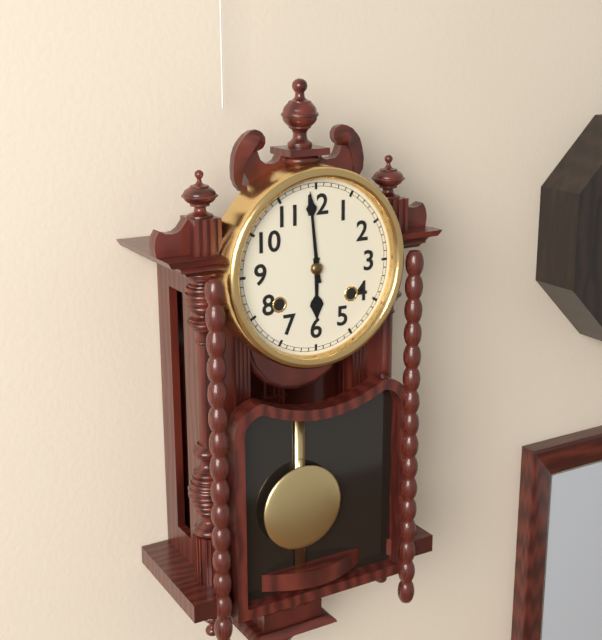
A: **5:59**
